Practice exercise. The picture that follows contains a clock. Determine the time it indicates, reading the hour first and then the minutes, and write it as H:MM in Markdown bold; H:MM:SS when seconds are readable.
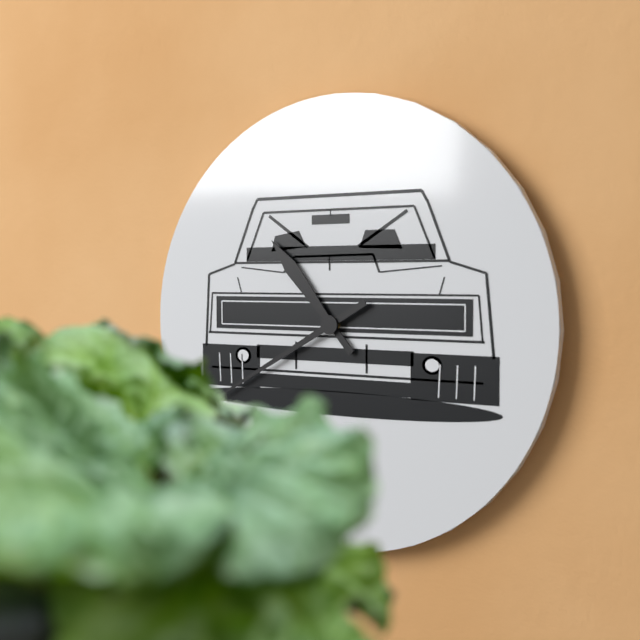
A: **10:40**
